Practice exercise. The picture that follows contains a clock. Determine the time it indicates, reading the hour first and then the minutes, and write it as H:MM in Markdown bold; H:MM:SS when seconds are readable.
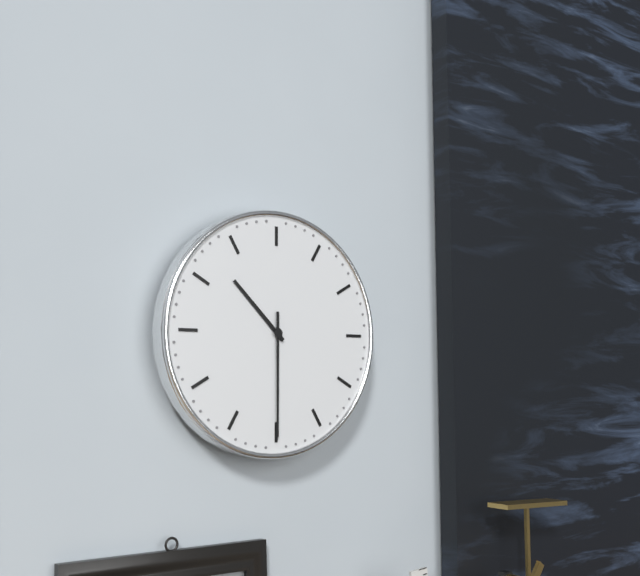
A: **10:30**
